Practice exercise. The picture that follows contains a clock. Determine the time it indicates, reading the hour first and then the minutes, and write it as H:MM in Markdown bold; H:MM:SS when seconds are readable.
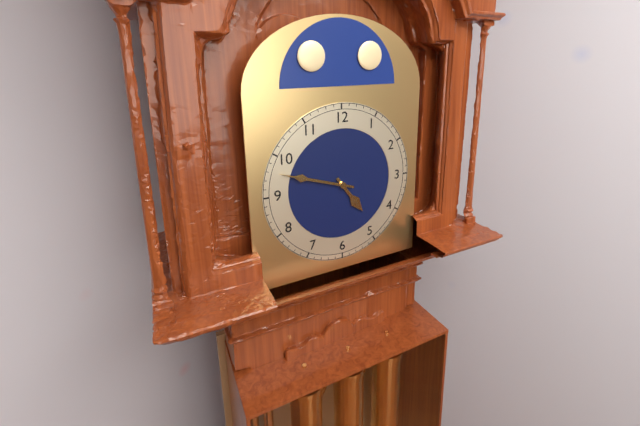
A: **4:48**
